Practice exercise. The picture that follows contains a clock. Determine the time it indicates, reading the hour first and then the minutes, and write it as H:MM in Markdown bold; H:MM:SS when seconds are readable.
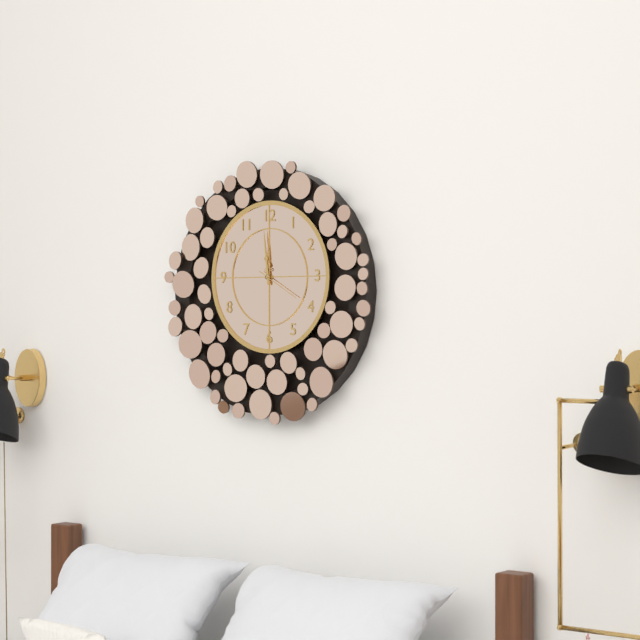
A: **11:59**
